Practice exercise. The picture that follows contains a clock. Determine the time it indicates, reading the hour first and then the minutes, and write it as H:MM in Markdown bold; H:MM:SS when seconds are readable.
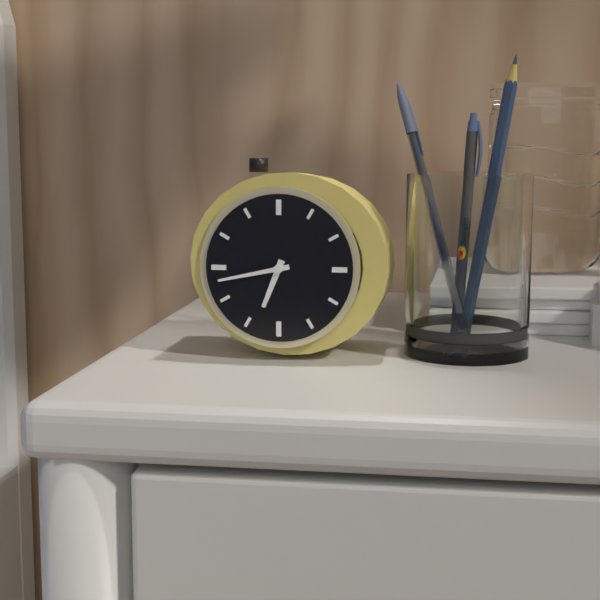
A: **6:43**
